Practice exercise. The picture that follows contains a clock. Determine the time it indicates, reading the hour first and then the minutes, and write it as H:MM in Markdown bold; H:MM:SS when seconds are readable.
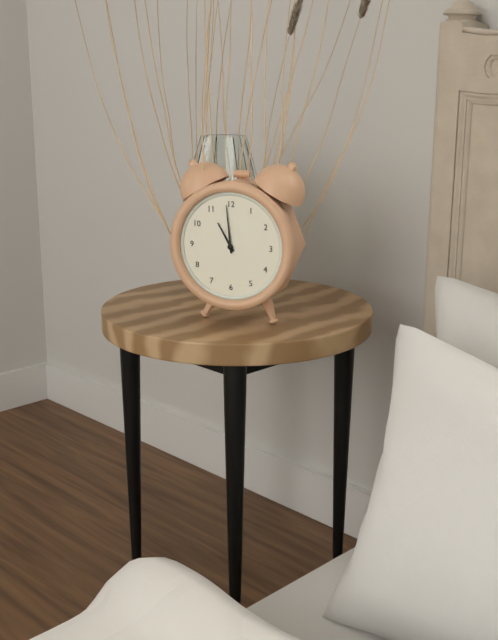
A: **10:59**
